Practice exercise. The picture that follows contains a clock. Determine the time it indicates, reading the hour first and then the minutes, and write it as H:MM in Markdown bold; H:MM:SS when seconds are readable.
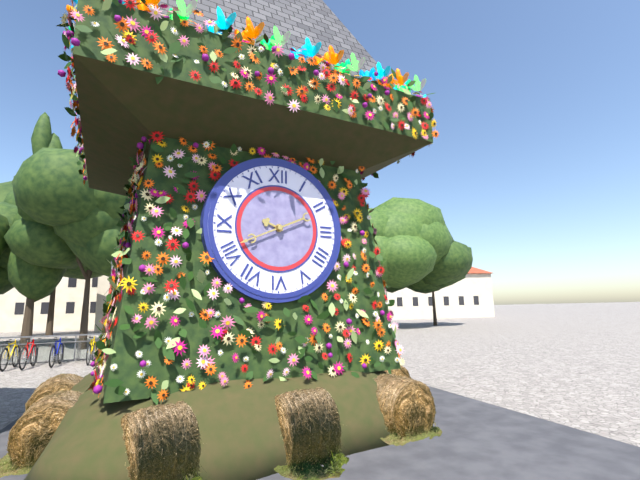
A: **9:41**
